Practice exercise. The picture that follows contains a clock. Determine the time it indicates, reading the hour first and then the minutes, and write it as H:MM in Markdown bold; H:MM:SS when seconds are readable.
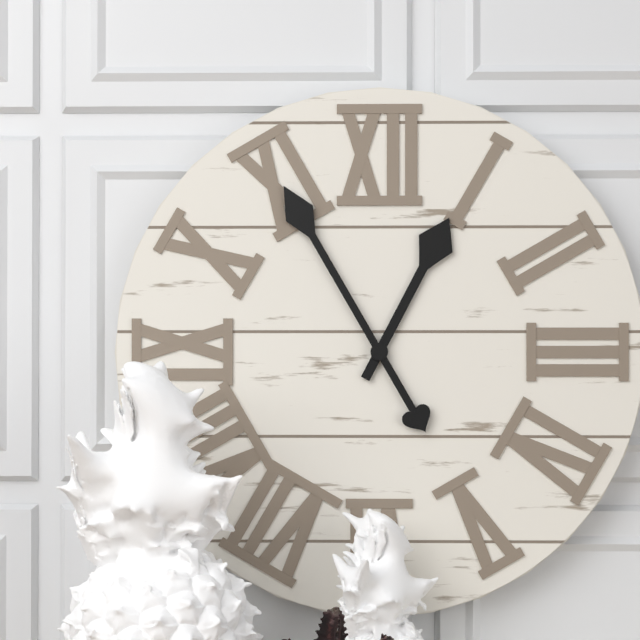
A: **12:55**
